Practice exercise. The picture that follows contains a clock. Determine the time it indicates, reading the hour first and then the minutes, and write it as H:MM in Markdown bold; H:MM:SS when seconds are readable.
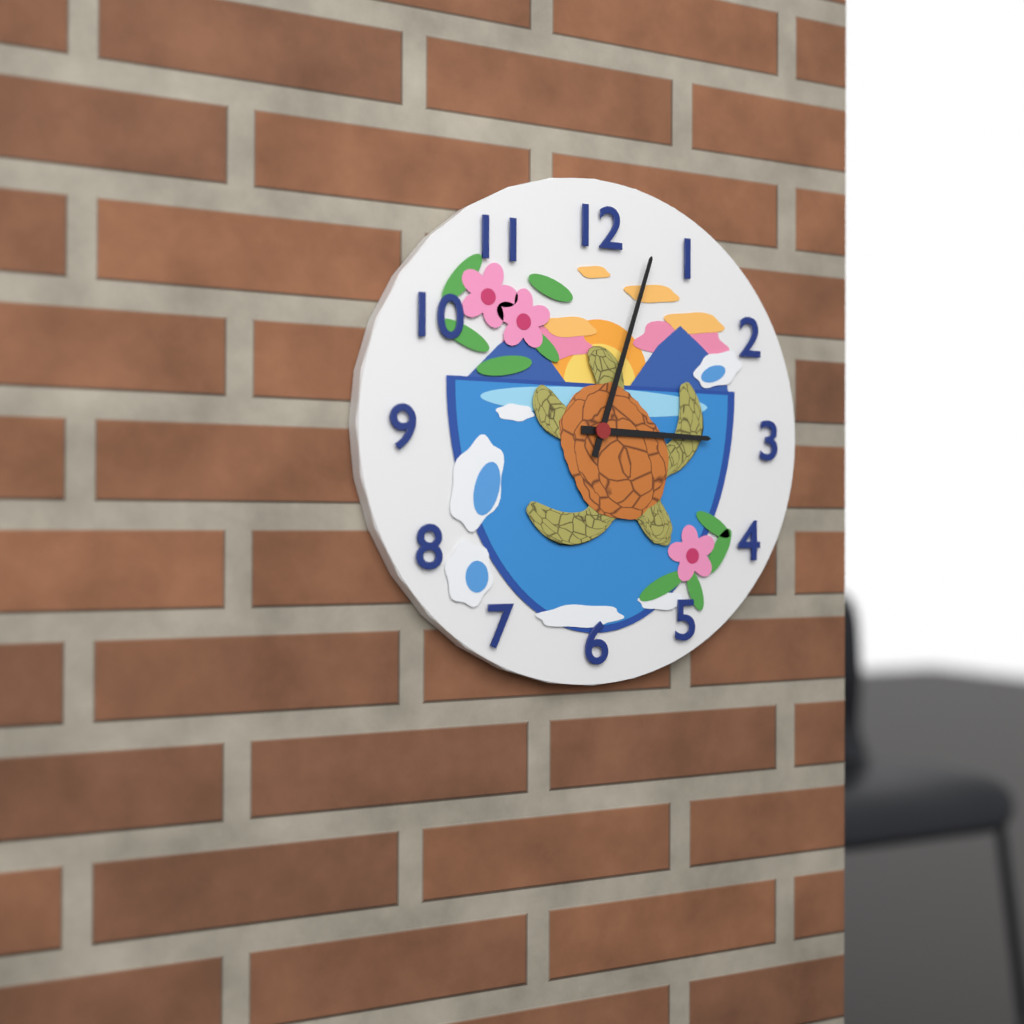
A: **3:03**
